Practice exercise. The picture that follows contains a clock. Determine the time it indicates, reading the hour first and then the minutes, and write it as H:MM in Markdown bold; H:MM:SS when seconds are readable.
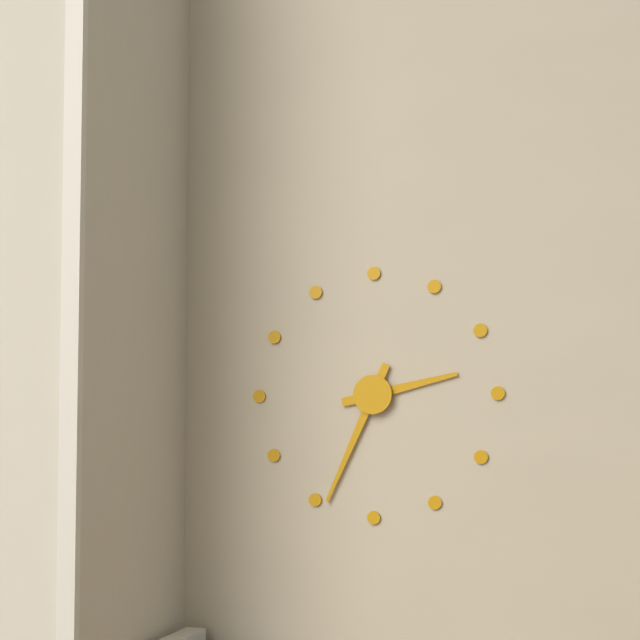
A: **2:34**
